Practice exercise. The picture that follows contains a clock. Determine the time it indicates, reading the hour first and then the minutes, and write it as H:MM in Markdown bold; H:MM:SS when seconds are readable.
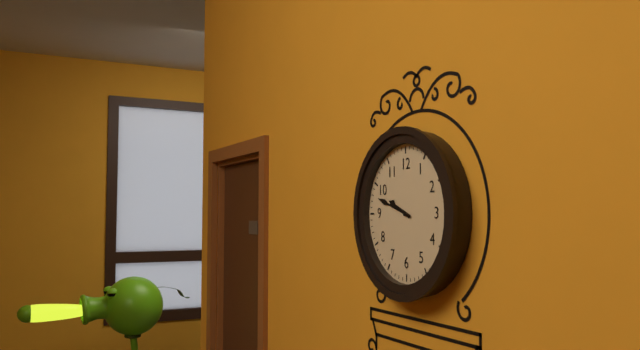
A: **9:48**
